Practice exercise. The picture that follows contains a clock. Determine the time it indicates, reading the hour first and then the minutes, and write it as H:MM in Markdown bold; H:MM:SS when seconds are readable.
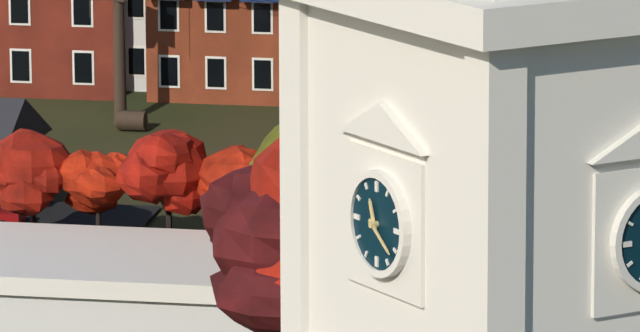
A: **11:21**
